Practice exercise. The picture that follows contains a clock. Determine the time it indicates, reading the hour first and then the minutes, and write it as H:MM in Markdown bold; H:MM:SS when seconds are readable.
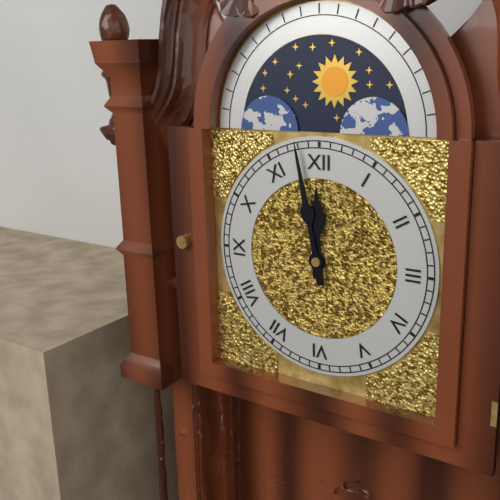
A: **11:58**
